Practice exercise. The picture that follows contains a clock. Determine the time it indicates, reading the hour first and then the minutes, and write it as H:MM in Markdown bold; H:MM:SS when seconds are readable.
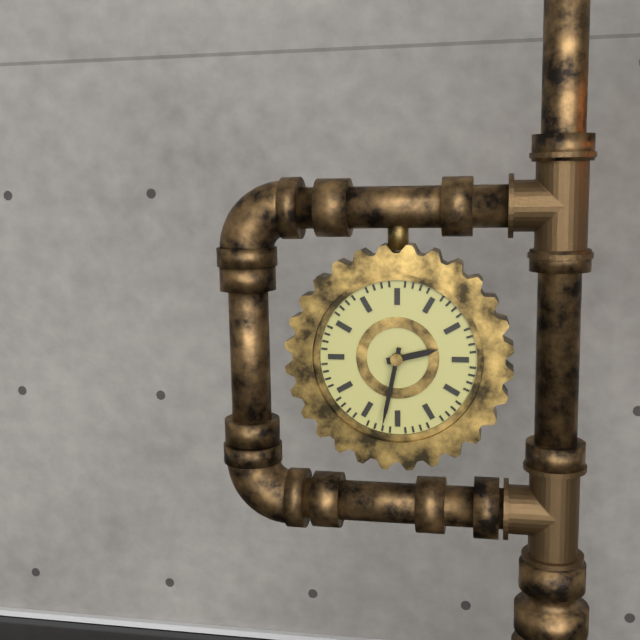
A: **2:32**
